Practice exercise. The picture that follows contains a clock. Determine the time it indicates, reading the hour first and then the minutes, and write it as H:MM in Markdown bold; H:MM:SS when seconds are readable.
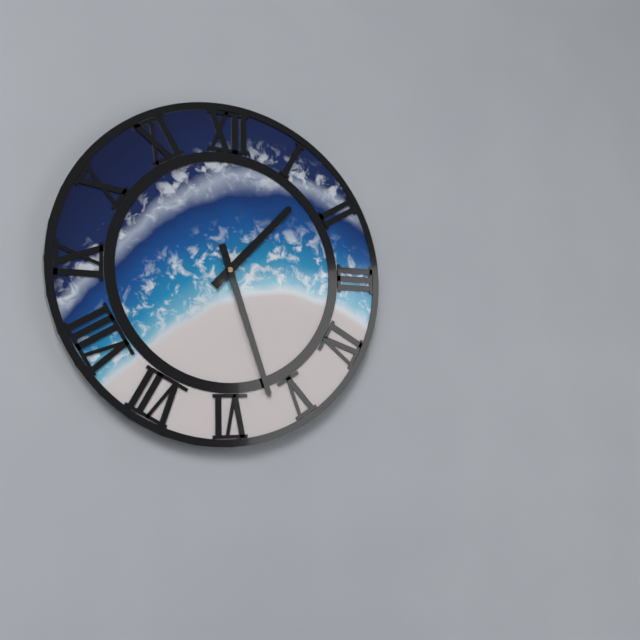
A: **1:27**
